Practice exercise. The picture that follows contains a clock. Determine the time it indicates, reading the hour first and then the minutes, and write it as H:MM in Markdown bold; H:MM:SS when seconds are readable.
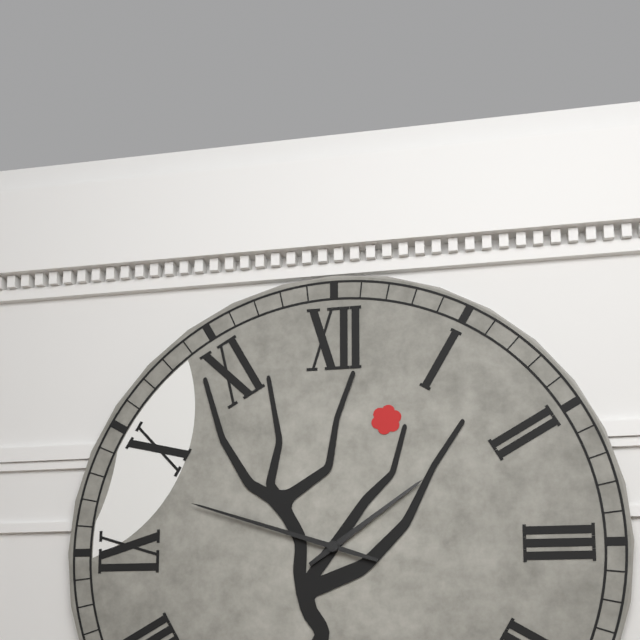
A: **1:48**
